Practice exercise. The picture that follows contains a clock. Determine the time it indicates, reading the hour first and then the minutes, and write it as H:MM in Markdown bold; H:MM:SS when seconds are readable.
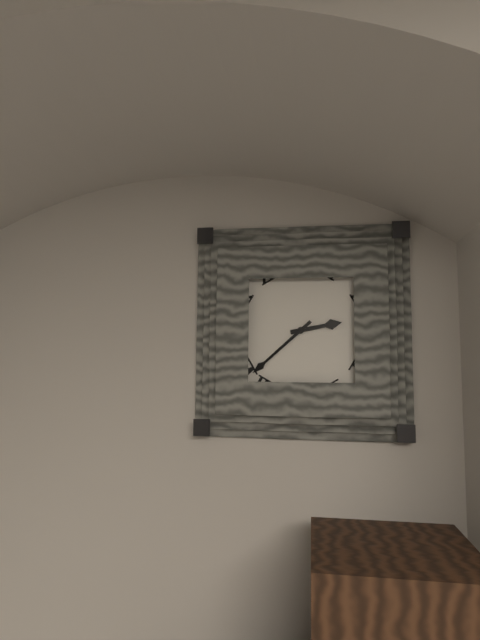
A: **2:38**
